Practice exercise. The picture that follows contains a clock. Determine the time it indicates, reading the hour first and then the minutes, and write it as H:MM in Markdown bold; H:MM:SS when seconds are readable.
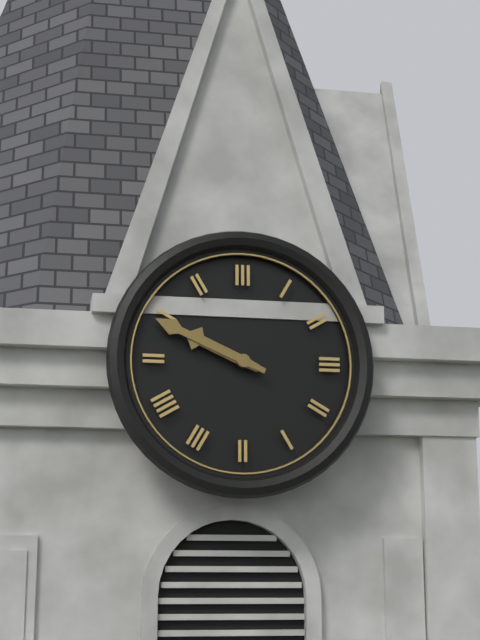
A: **9:49**
